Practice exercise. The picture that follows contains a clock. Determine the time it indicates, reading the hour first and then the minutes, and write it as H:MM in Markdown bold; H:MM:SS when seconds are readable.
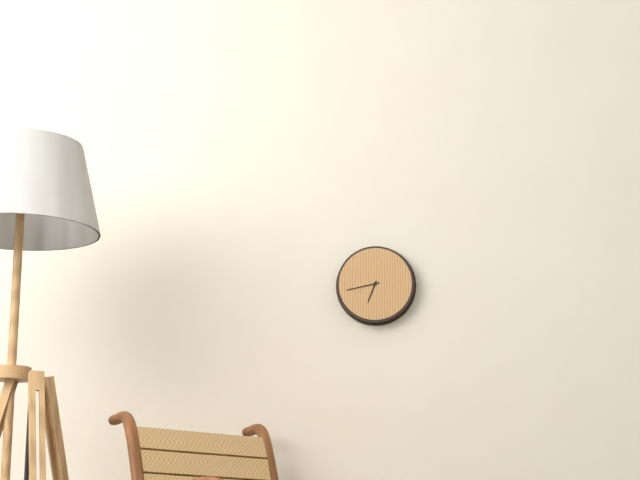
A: **6:43**
